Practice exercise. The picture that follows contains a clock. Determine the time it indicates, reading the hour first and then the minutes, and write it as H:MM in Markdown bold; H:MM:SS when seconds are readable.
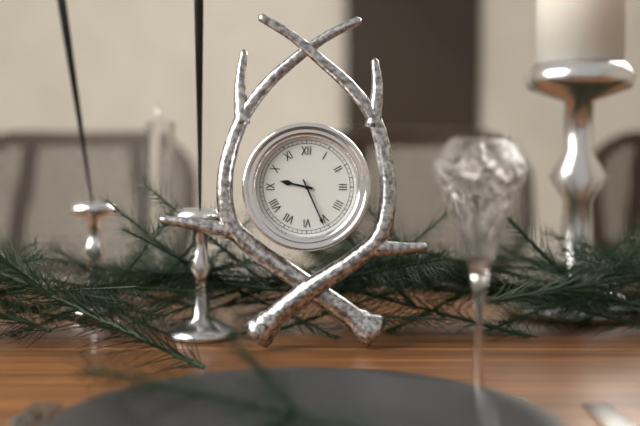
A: **9:26**
